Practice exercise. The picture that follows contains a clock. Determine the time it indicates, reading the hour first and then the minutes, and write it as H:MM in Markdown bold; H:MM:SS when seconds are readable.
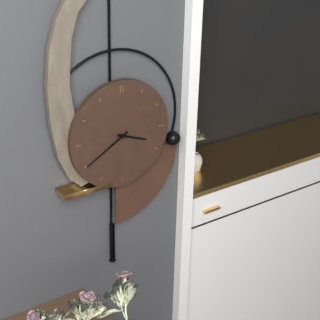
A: **3:40**
